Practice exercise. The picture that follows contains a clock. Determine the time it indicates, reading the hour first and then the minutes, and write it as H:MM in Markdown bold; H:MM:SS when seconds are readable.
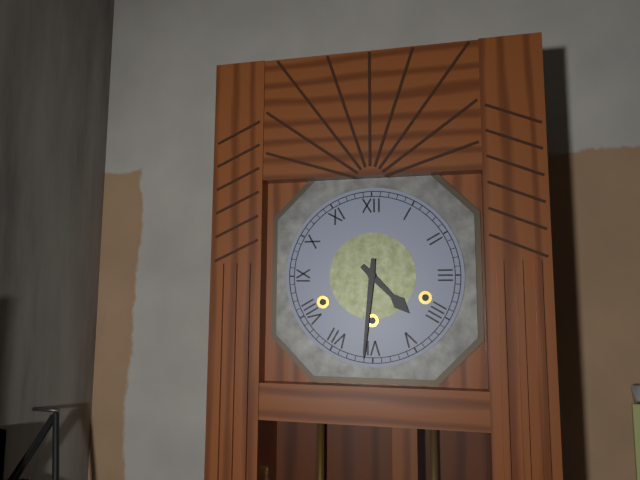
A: **4:31**
